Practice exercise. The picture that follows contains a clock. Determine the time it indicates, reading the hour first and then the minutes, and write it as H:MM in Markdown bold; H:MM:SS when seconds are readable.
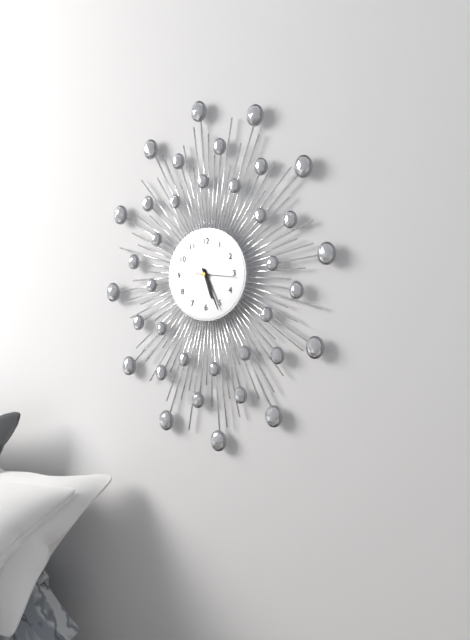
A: **5:26**
